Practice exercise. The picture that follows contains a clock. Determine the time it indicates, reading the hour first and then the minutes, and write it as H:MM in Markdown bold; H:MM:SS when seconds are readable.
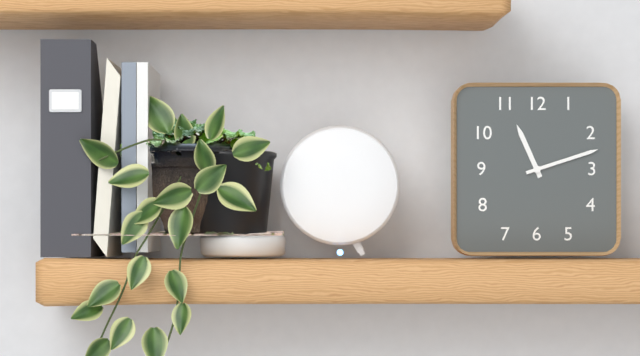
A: **11:12**
